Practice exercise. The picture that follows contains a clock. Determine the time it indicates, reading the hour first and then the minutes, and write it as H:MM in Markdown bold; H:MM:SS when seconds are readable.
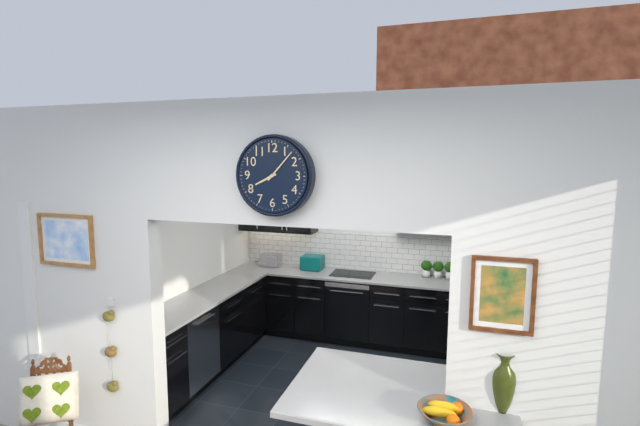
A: **8:07**
